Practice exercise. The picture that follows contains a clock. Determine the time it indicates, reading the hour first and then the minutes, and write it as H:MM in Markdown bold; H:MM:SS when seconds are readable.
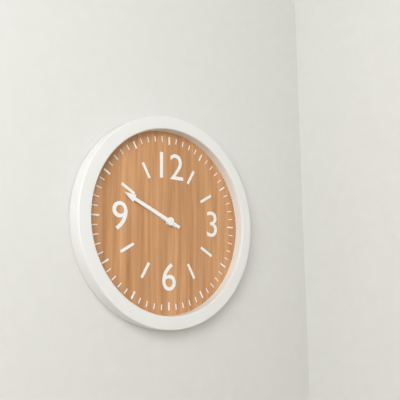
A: **9:49**
